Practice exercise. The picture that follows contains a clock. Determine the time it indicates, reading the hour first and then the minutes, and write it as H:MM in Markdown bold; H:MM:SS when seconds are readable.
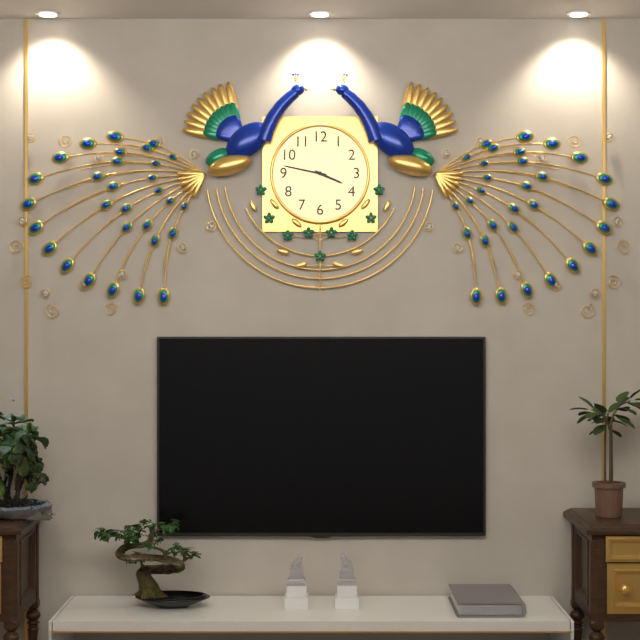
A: **3:47**
